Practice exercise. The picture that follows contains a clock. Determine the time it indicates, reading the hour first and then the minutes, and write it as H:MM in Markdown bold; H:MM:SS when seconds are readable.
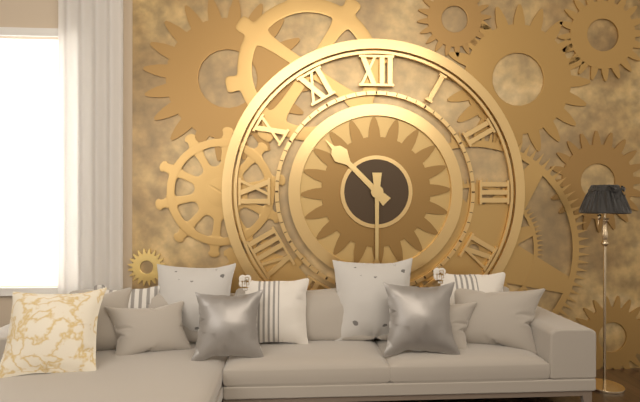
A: **10:30**
